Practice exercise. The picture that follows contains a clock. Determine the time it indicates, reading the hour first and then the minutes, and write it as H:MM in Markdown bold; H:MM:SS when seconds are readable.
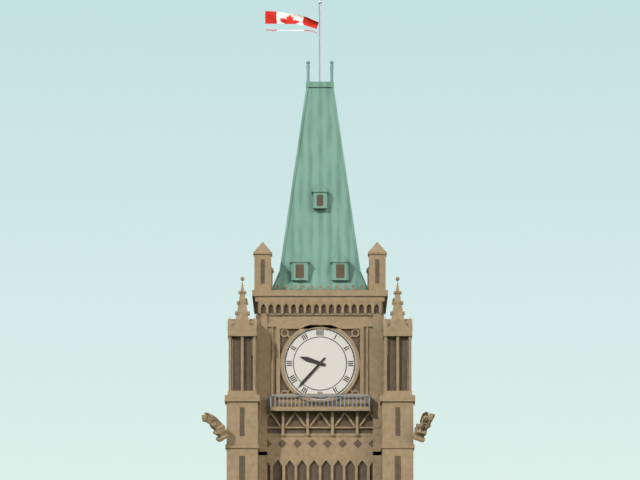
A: **9:37**
